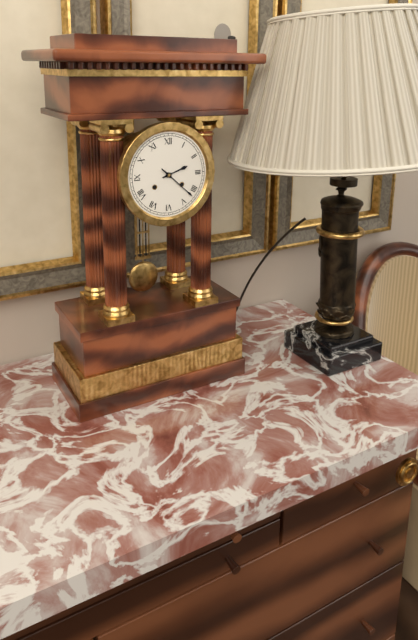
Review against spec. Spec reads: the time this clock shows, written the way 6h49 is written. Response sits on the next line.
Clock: 2h22
